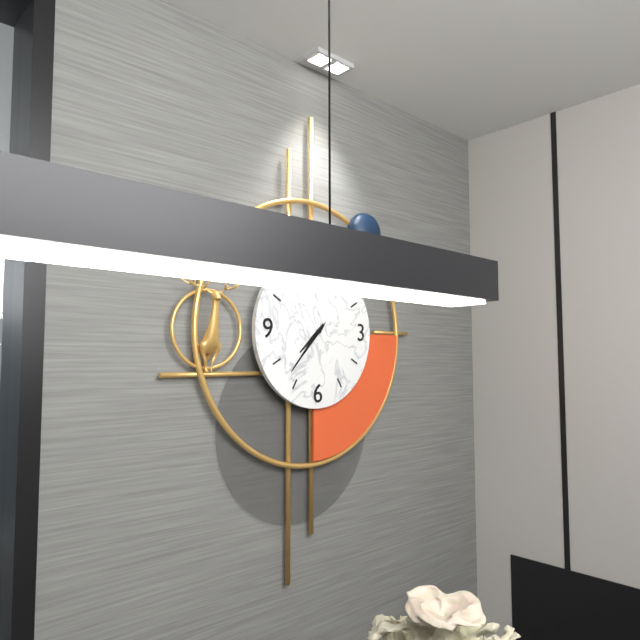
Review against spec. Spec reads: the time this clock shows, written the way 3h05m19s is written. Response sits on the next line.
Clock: 7h37m37s
